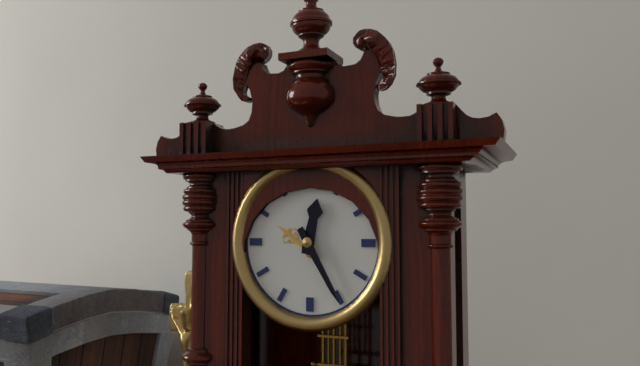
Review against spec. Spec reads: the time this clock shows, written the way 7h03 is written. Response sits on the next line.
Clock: 12h25
